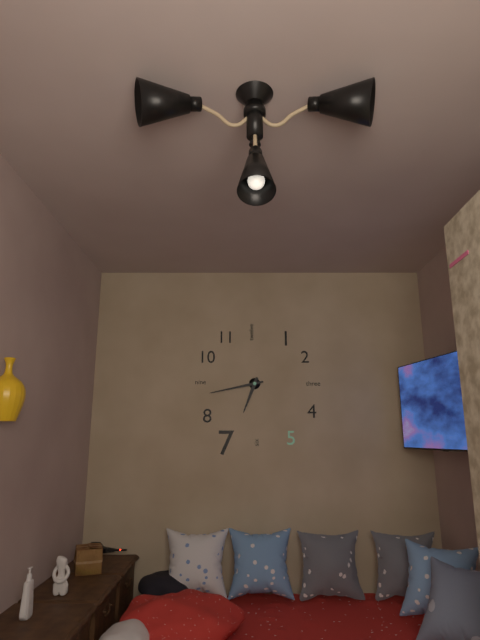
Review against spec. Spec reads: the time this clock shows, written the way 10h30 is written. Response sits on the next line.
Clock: 6h43
